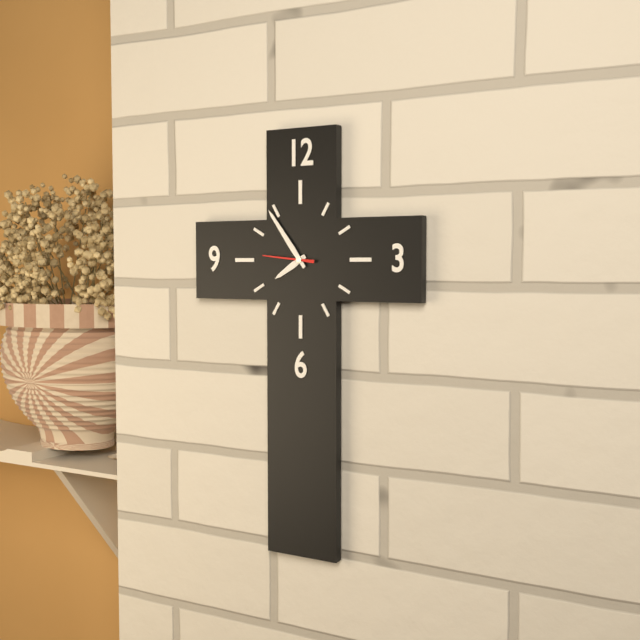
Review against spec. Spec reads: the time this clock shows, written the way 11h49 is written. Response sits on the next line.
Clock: 7h54
